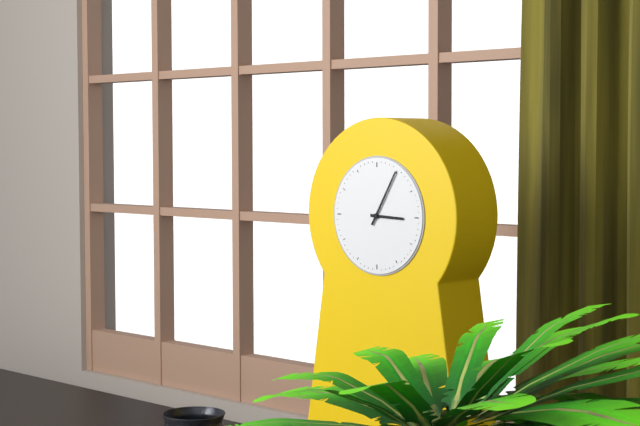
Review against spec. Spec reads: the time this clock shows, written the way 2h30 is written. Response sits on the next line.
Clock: 3h05
